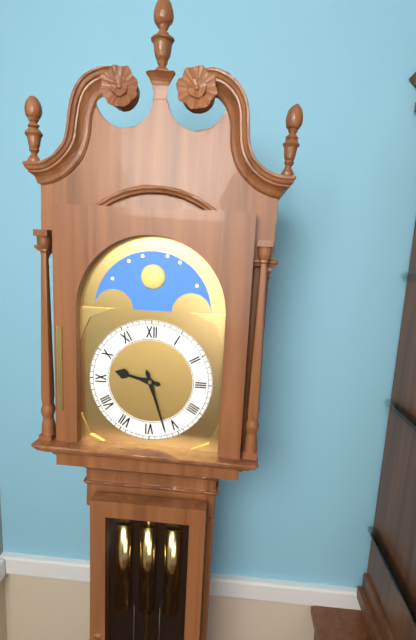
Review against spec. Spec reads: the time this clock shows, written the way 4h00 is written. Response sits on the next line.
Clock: 9h27
